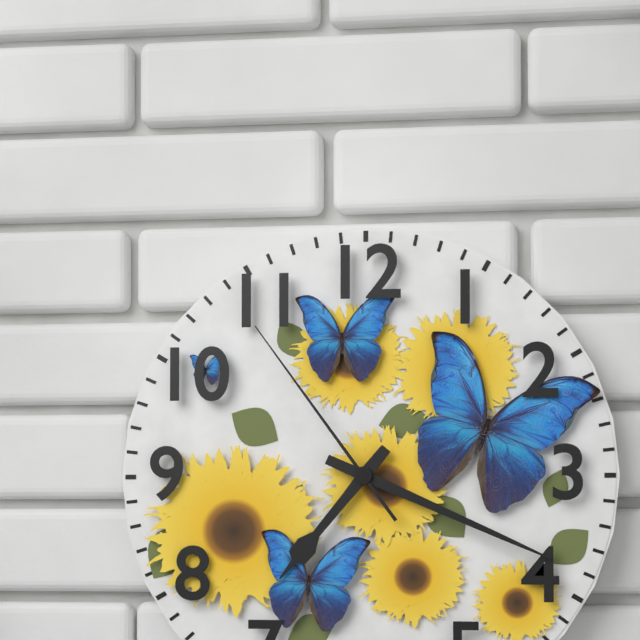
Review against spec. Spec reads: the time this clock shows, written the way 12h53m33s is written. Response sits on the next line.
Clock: 7h19m54s
